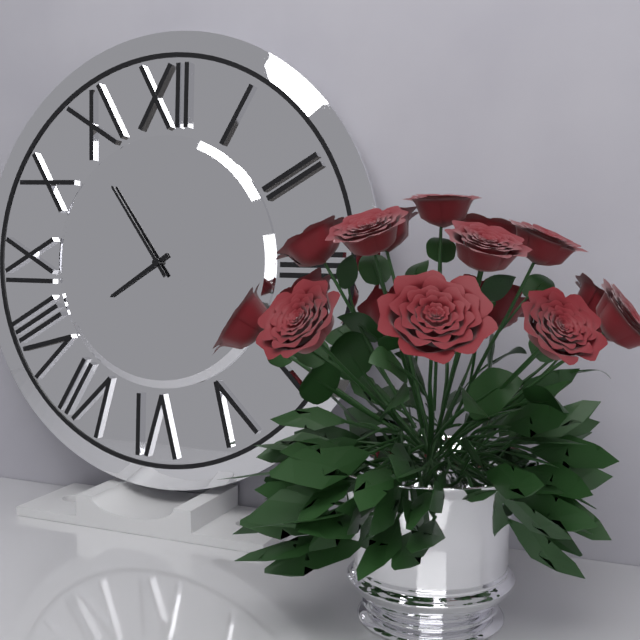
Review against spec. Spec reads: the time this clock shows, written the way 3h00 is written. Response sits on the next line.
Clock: 7h54
